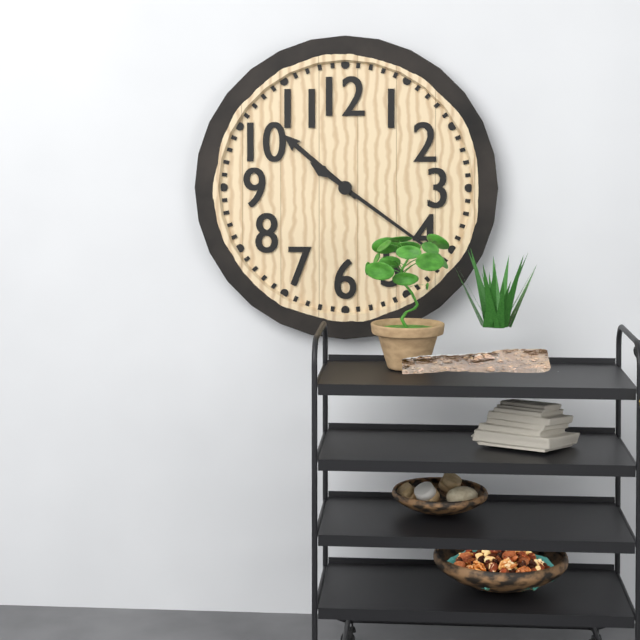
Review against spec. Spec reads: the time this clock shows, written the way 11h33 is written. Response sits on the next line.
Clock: 10h21
